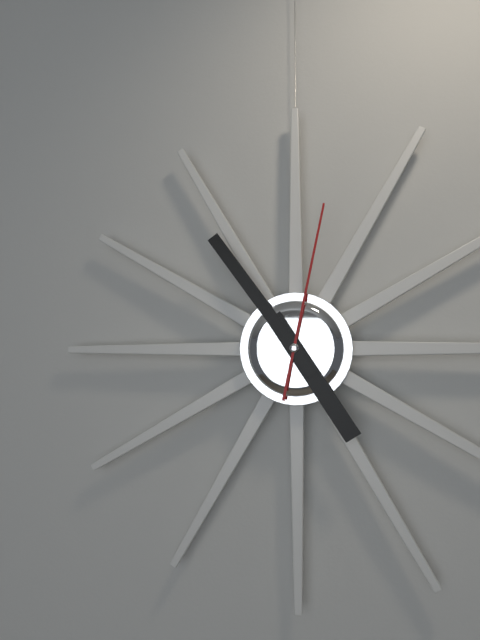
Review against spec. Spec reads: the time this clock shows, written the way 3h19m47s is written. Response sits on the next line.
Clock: 4h54m02s
